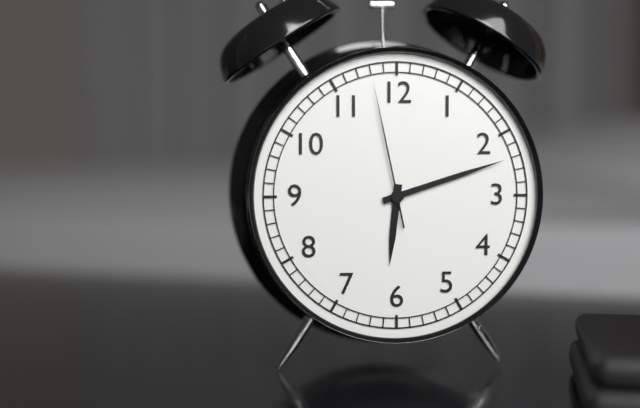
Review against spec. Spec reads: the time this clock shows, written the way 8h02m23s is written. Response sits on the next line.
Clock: 6h12m58s
